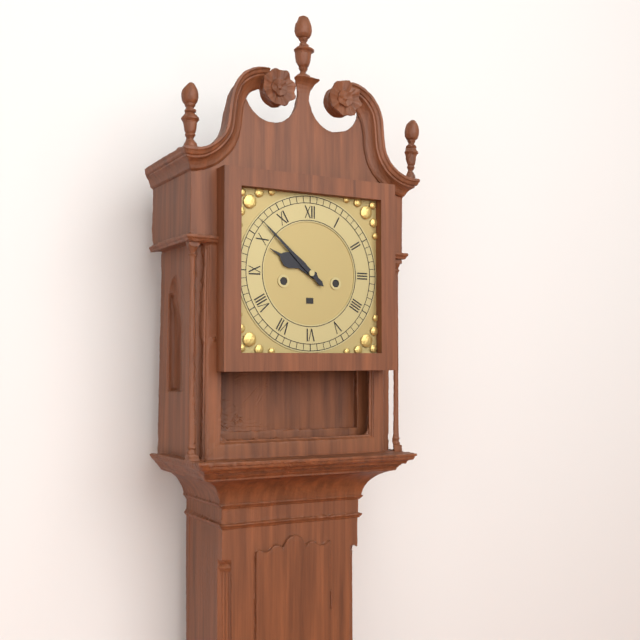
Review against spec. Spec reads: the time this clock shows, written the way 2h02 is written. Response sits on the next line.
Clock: 9h52
